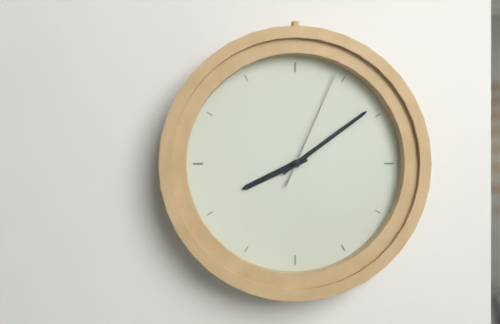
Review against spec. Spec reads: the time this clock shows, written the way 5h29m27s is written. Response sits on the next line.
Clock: 8h09m04s
